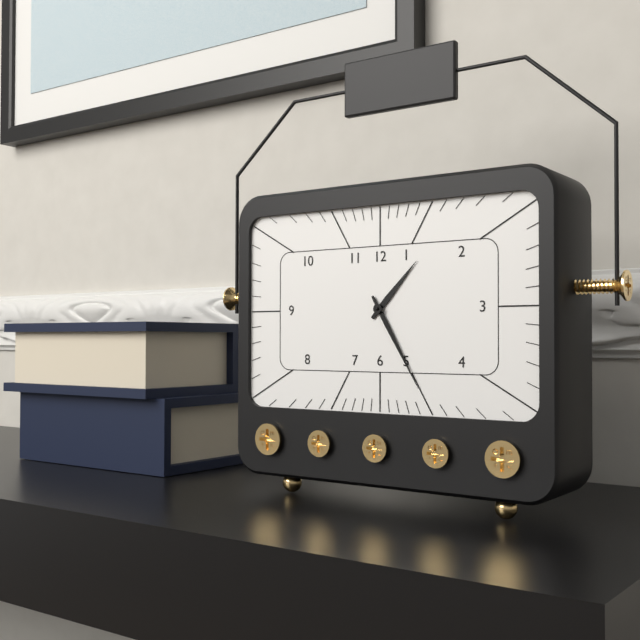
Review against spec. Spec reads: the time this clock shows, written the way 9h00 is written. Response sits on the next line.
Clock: 1h25
